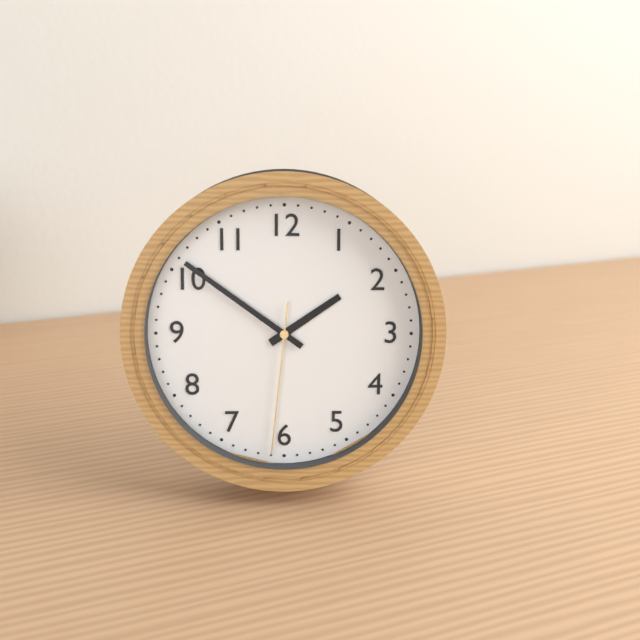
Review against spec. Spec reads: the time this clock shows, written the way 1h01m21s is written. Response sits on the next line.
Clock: 1h51m31s
